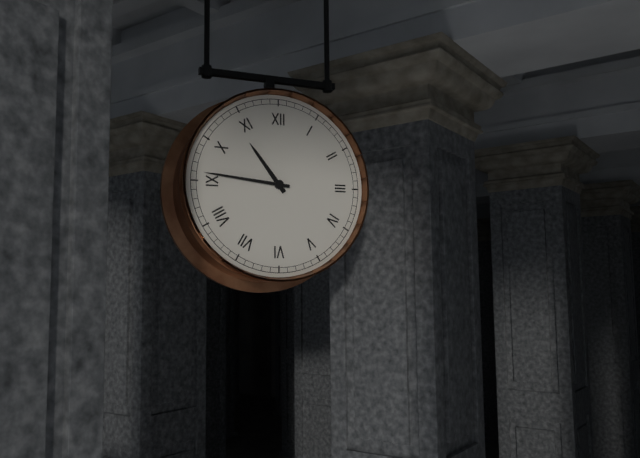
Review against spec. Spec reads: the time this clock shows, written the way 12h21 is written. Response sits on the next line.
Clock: 10h46
